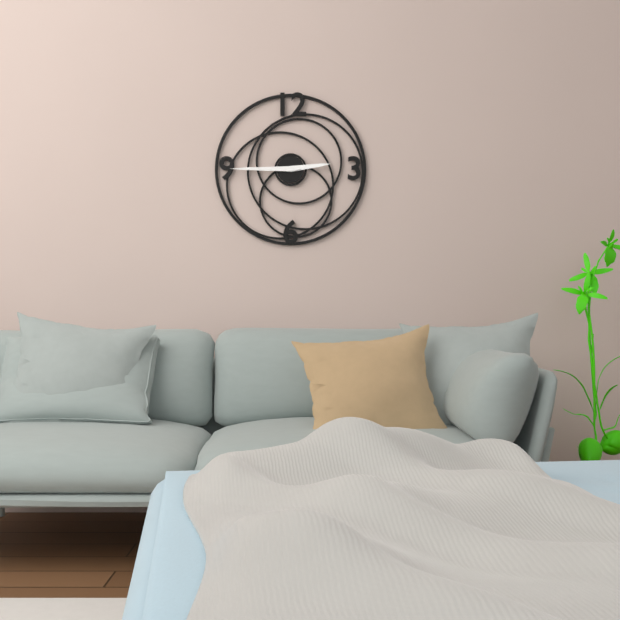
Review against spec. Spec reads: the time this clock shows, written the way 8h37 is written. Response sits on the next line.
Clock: 2h45
